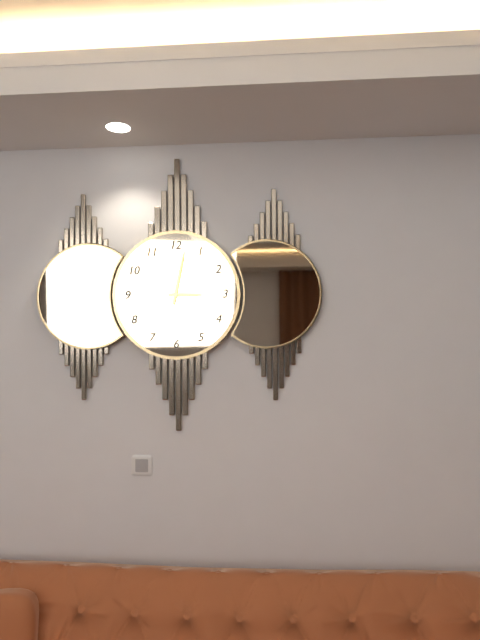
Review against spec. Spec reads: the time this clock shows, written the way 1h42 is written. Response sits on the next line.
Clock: 3h02
